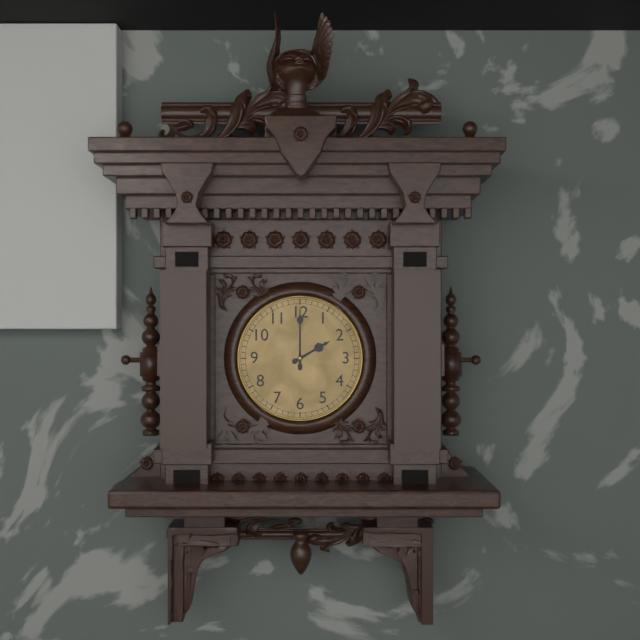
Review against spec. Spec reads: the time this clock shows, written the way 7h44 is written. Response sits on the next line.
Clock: 2h00
